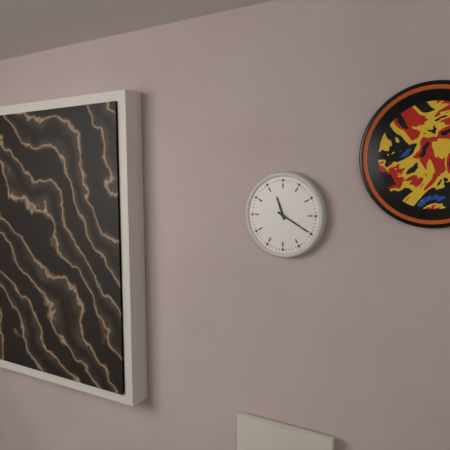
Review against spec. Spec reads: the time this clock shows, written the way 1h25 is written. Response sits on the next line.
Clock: 11h20
